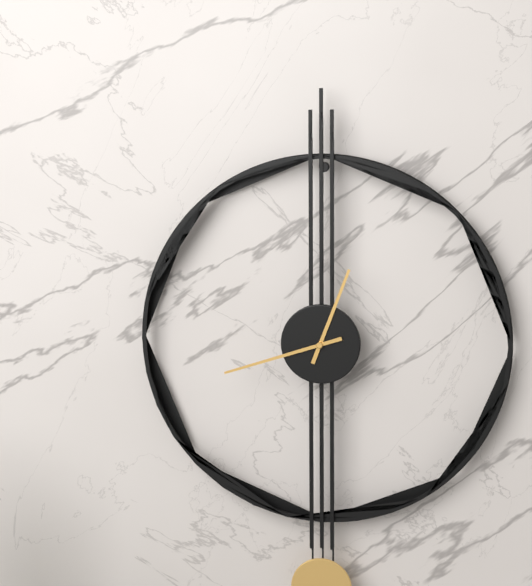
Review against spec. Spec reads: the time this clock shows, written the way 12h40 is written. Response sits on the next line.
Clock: 12h42
